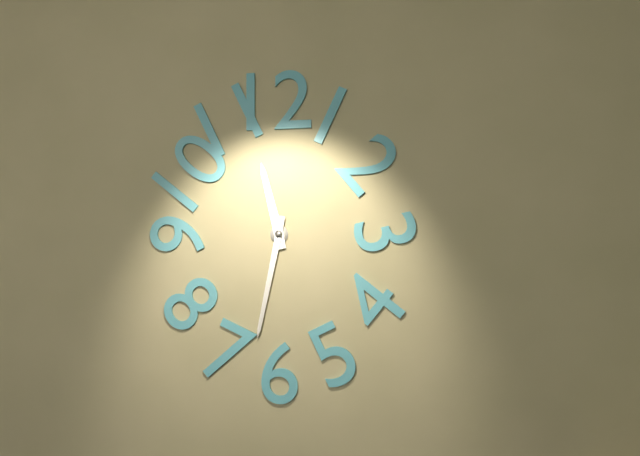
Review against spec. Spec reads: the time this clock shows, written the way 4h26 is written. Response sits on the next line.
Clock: 11h32
